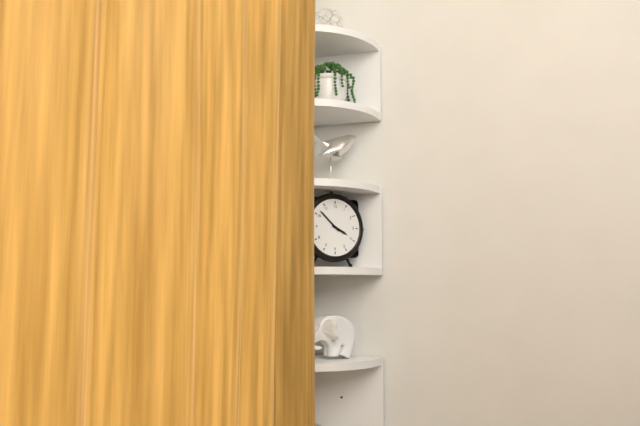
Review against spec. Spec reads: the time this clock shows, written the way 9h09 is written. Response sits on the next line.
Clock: 3h52
